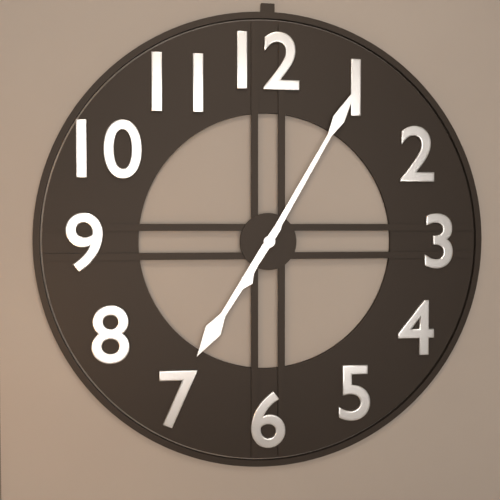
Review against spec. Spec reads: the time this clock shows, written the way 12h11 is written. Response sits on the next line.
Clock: 7h05
